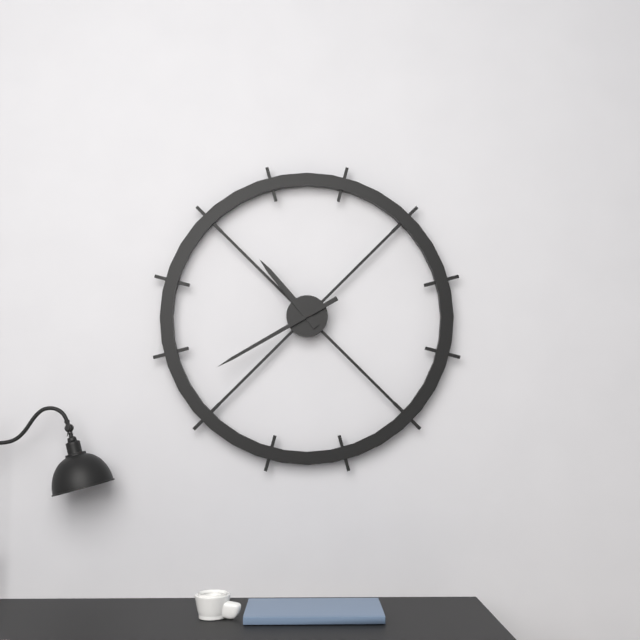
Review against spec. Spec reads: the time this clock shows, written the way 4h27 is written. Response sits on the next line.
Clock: 10h40
